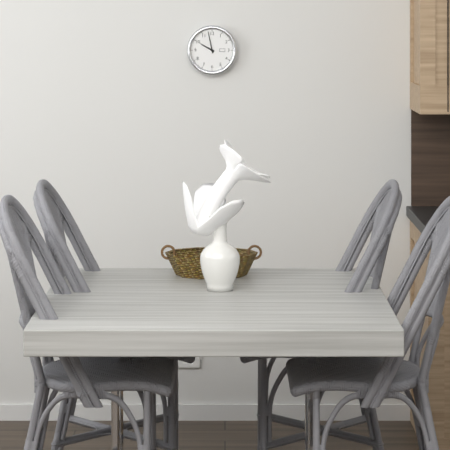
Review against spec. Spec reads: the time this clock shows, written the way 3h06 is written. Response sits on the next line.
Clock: 9h58
